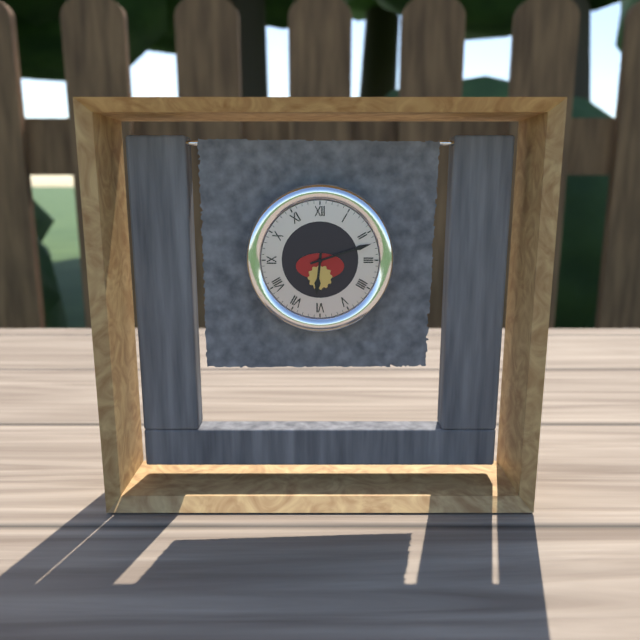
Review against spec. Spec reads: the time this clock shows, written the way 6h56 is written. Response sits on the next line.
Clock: 6h12
